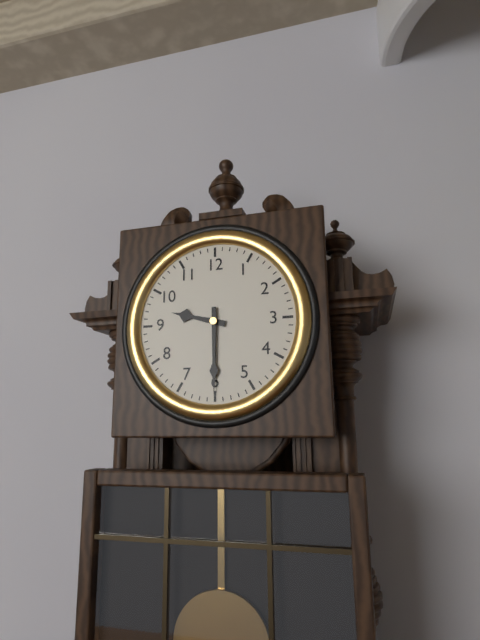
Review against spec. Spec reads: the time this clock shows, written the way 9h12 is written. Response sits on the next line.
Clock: 9h30
